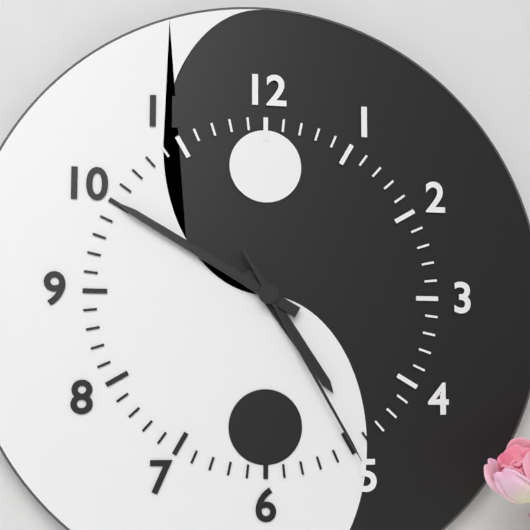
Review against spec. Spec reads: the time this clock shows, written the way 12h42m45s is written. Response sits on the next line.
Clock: 4h50m25s
